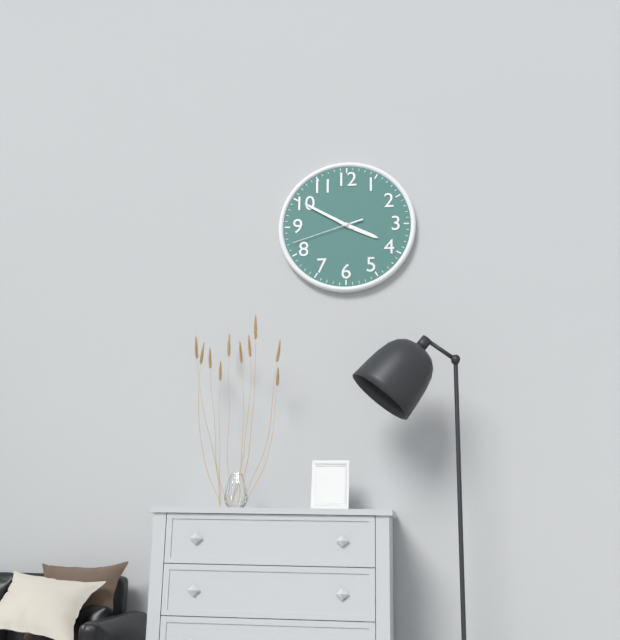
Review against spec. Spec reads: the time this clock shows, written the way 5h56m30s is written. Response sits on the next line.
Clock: 3h50m42s
